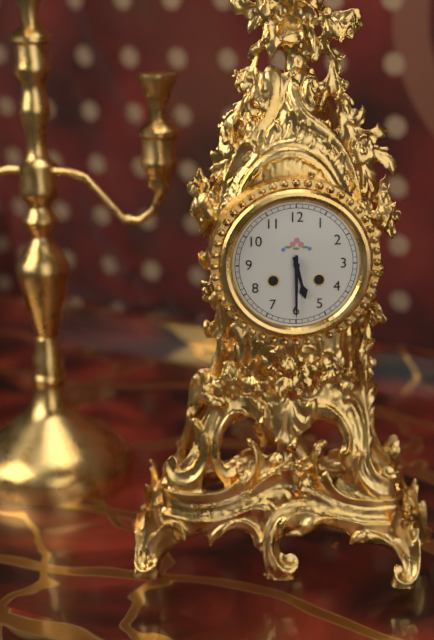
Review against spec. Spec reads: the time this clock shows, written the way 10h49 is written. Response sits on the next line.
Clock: 5h30
